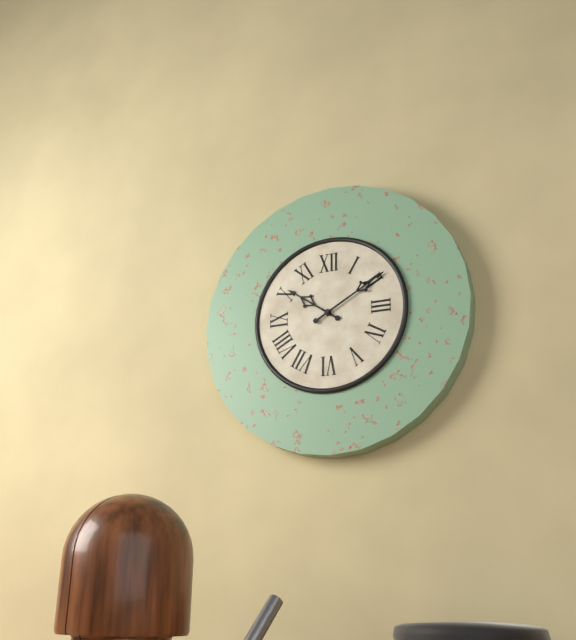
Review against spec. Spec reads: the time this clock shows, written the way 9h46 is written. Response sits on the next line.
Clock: 10h10
